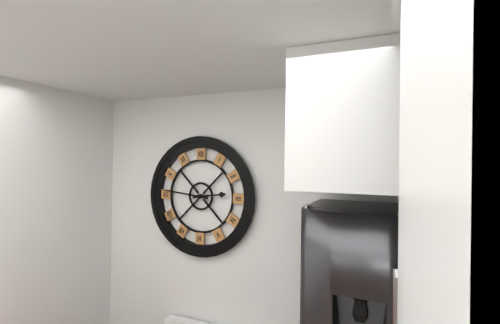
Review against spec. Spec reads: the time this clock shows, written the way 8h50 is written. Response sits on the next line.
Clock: 2h46
